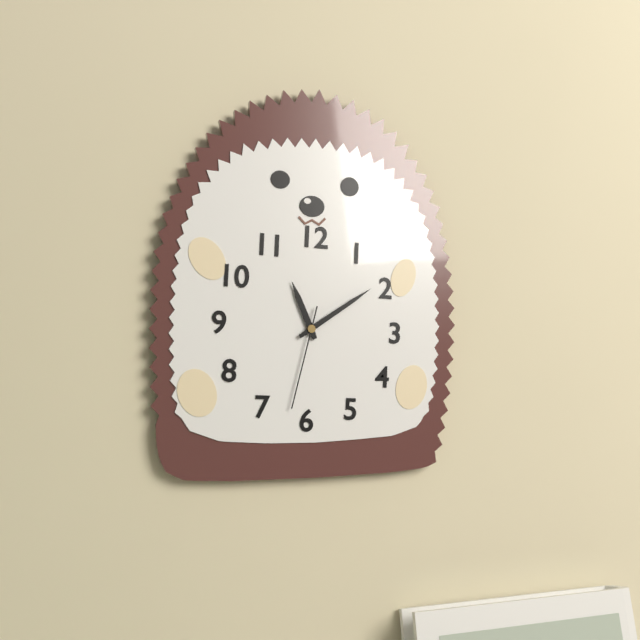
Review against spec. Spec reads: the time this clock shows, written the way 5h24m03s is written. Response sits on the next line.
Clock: 11h09m32s
